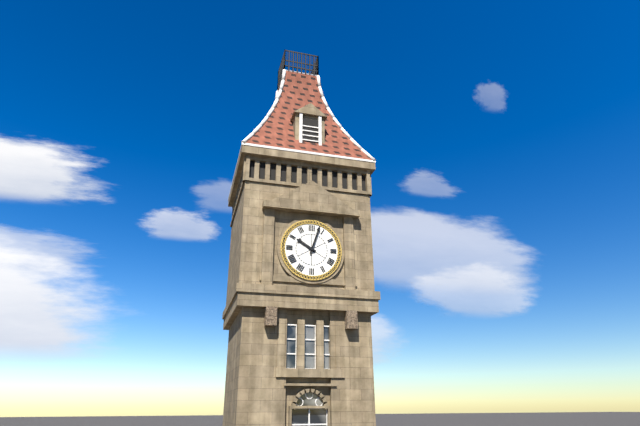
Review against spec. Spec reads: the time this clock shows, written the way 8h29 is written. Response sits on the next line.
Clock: 10h03
